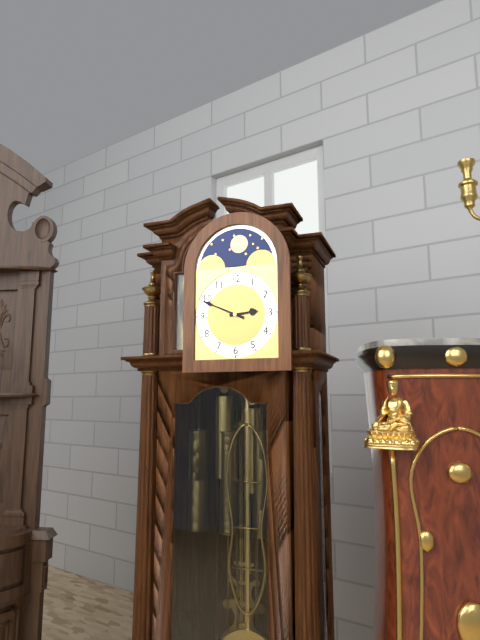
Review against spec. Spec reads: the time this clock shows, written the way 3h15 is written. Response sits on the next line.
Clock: 2h49
